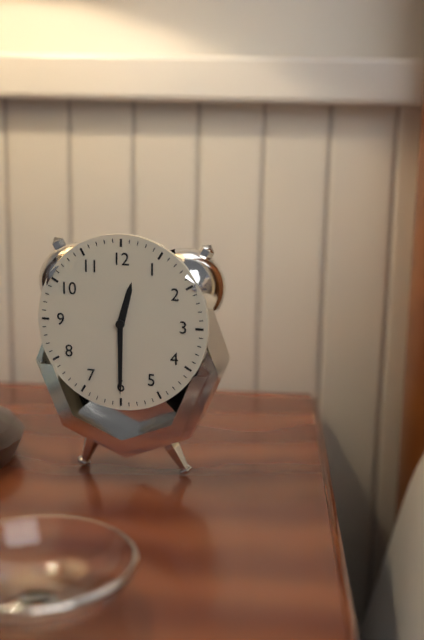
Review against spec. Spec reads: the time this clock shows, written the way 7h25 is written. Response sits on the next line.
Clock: 12h30
